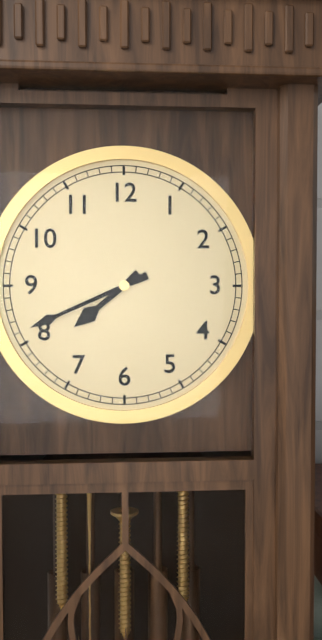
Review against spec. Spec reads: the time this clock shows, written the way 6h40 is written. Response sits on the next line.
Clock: 7h41
